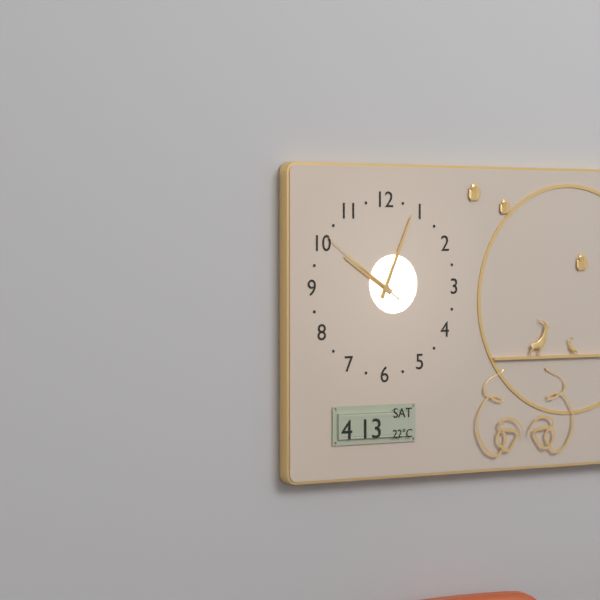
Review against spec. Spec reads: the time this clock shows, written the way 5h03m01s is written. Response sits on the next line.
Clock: 10h04m51s
